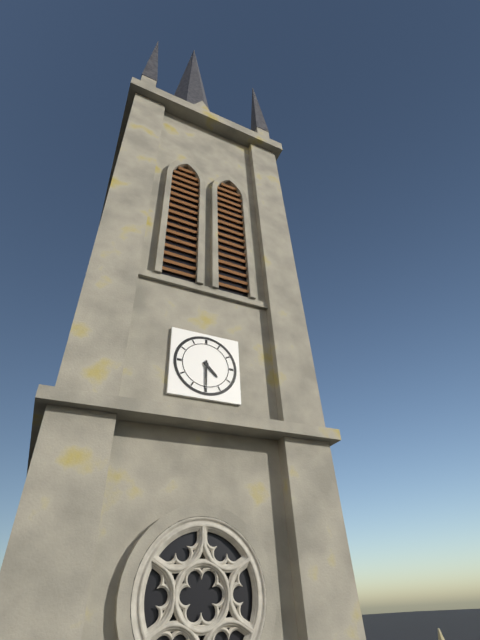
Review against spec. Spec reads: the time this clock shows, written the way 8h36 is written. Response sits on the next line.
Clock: 4h30
